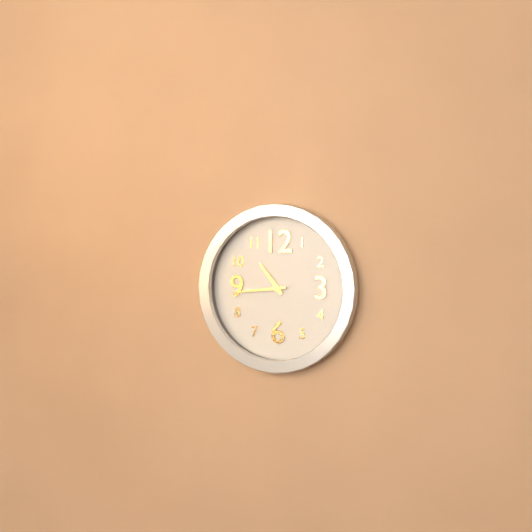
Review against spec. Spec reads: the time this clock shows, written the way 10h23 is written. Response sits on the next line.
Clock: 10h44
